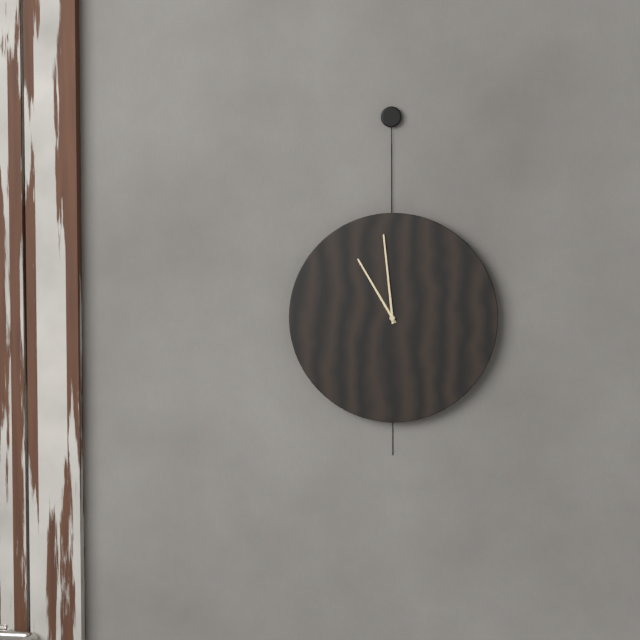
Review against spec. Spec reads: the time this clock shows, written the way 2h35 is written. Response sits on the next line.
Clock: 10h59
